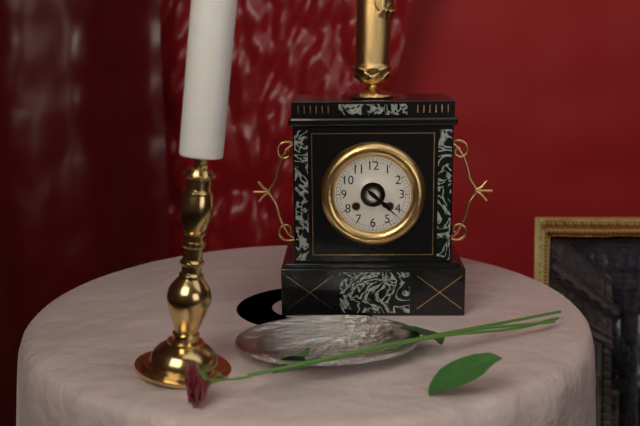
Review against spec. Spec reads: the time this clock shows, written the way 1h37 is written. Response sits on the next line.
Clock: 4h22
